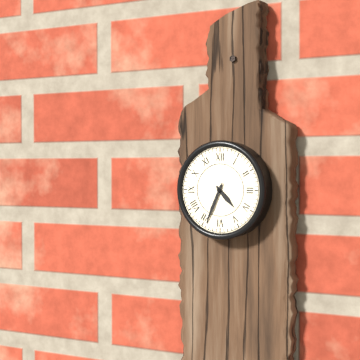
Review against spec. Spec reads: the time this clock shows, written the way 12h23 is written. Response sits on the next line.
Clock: 4h34
